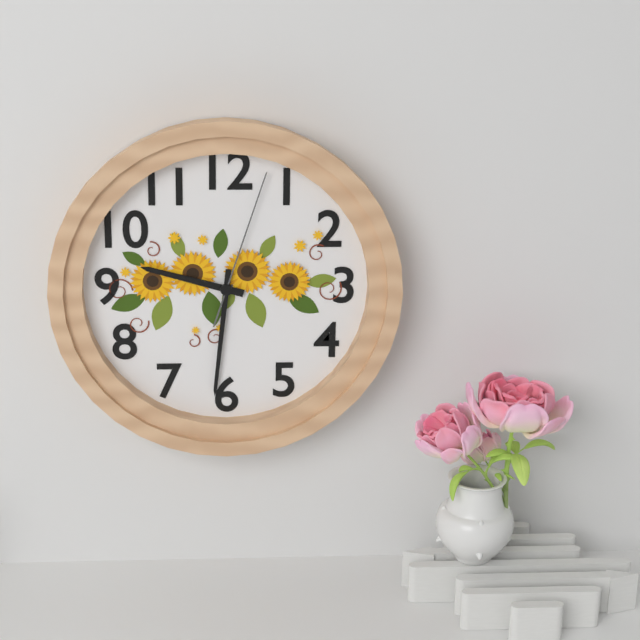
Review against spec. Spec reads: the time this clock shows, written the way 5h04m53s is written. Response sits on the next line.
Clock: 9h31m03s
